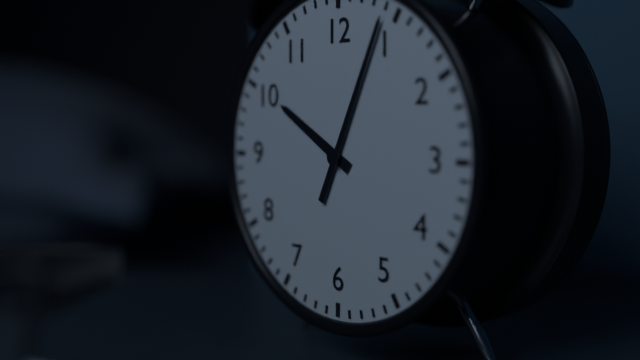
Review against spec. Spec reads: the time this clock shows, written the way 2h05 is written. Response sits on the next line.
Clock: 10h04
